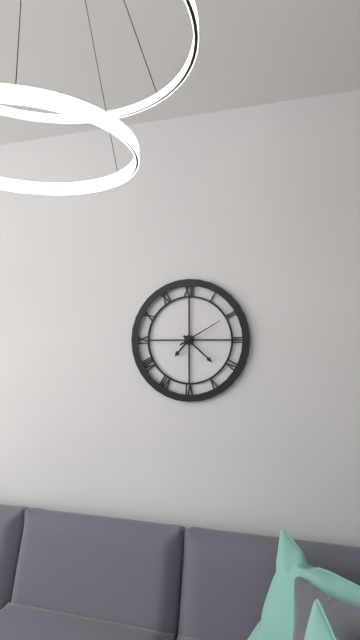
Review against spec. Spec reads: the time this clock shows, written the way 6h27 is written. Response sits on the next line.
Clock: 7h22
